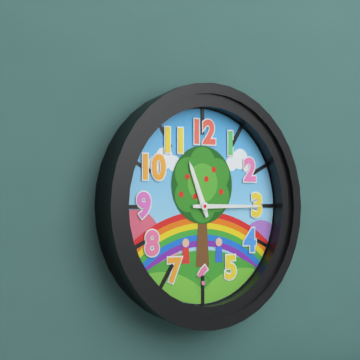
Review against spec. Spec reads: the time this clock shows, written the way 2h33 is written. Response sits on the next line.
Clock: 11h15
